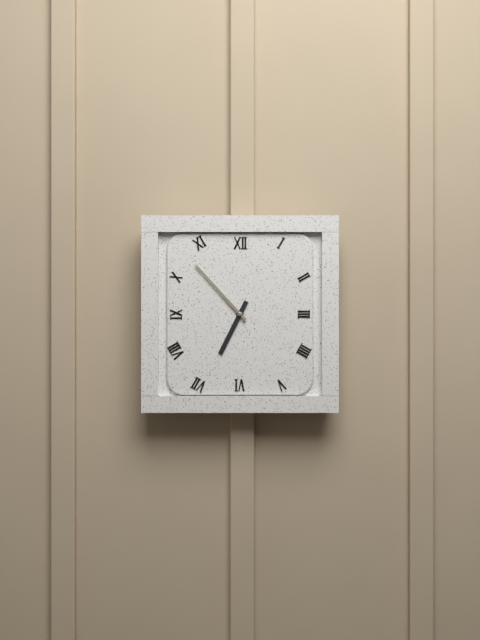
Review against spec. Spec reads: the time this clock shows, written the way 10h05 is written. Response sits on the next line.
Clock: 6h53
